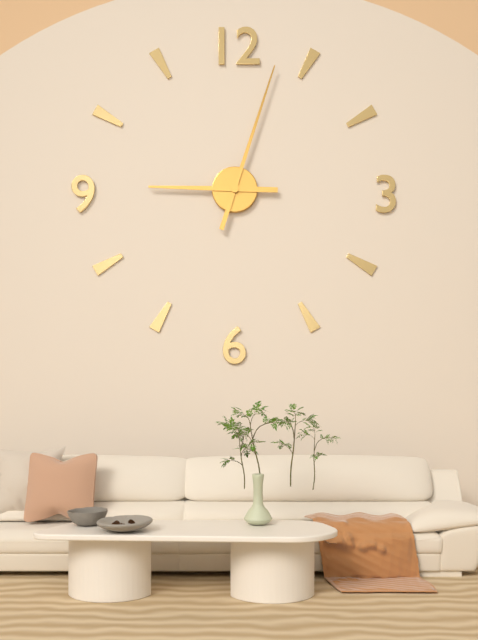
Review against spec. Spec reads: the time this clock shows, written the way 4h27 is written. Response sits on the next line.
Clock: 9h03
